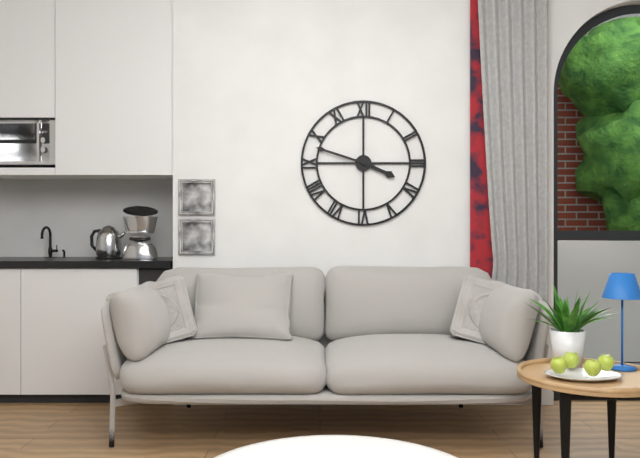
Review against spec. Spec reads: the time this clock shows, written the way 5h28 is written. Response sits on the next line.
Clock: 3h48
